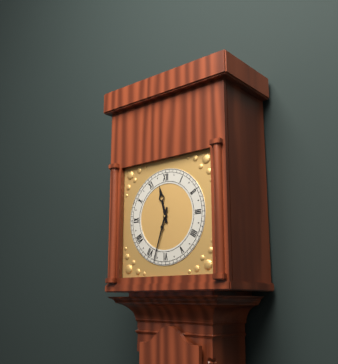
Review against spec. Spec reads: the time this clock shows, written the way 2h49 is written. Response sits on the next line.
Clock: 11h33
